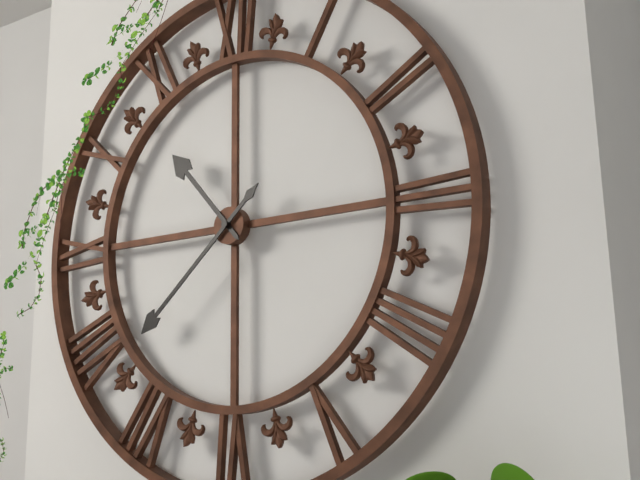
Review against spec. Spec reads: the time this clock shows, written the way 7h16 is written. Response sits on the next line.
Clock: 10h38
